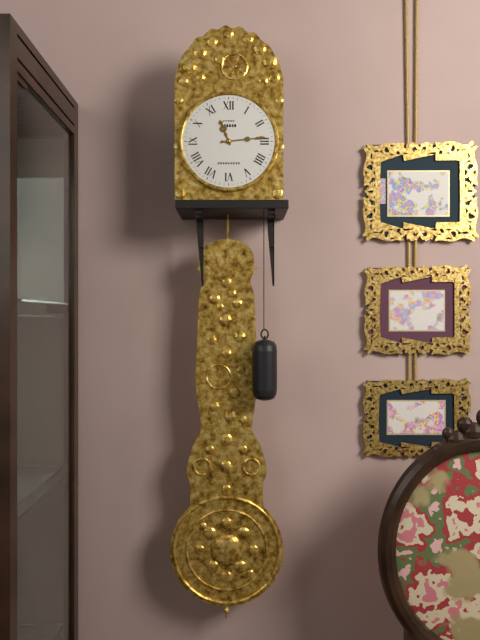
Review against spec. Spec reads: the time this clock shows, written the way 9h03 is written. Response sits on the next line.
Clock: 11h14
